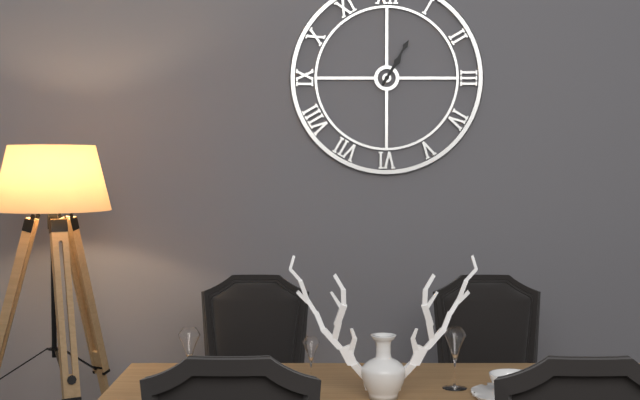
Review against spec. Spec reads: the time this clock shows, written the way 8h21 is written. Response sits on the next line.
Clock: 1h05
